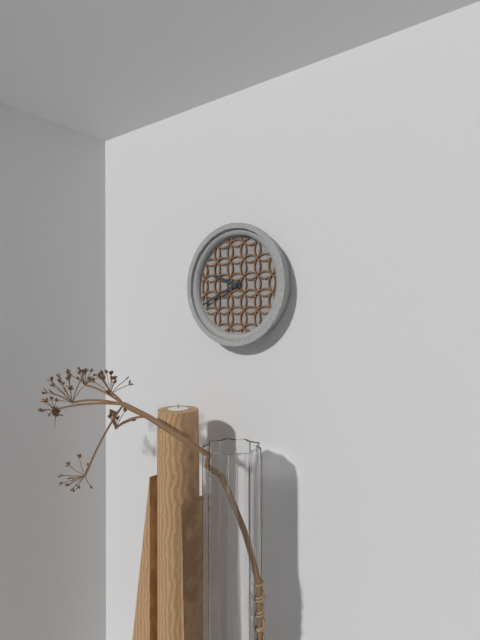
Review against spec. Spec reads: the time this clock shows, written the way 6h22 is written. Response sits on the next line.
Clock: 9h41
